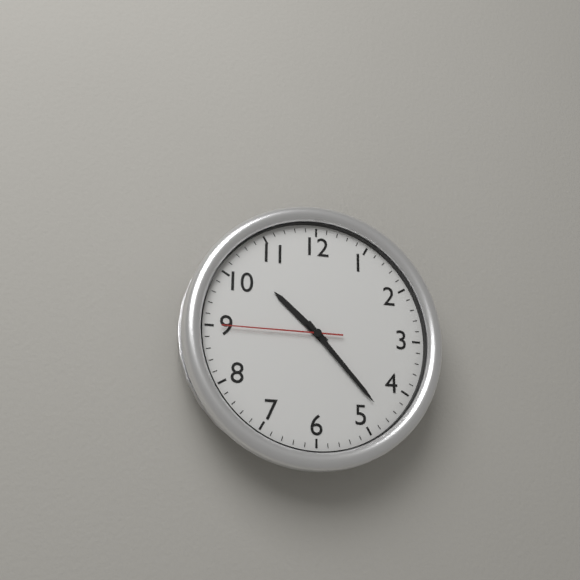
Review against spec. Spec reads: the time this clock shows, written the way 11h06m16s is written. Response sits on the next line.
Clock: 10h23m45s
